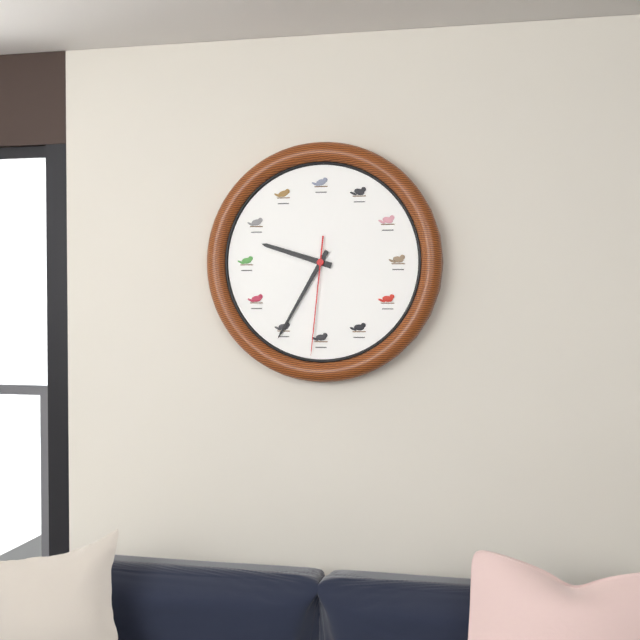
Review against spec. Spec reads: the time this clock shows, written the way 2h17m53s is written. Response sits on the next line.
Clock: 9h35m31s
